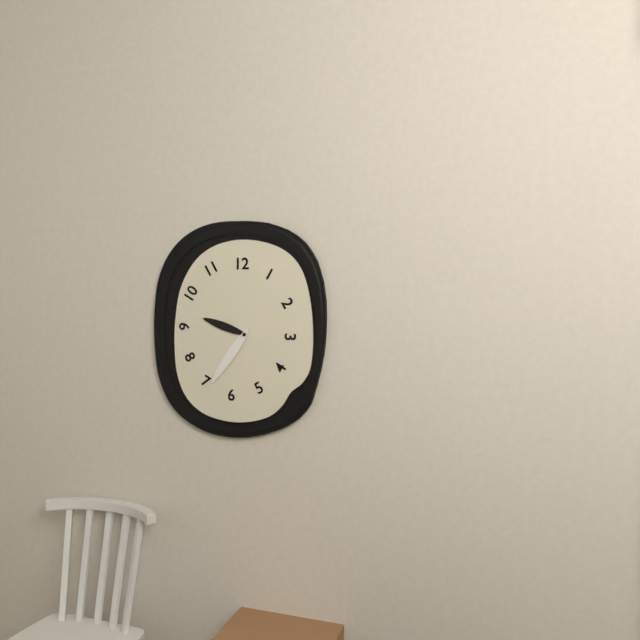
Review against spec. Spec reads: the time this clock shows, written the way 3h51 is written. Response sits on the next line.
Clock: 9h36
